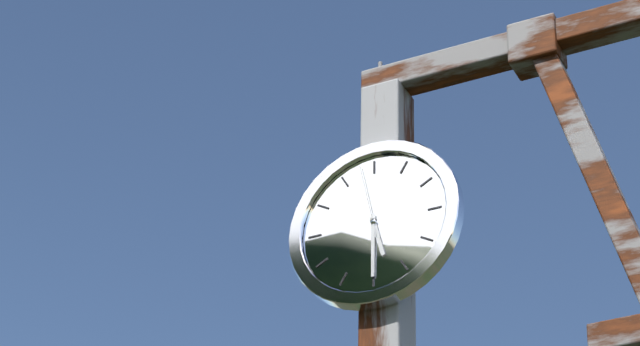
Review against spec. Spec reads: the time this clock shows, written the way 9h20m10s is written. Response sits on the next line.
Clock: 5h30m58s
